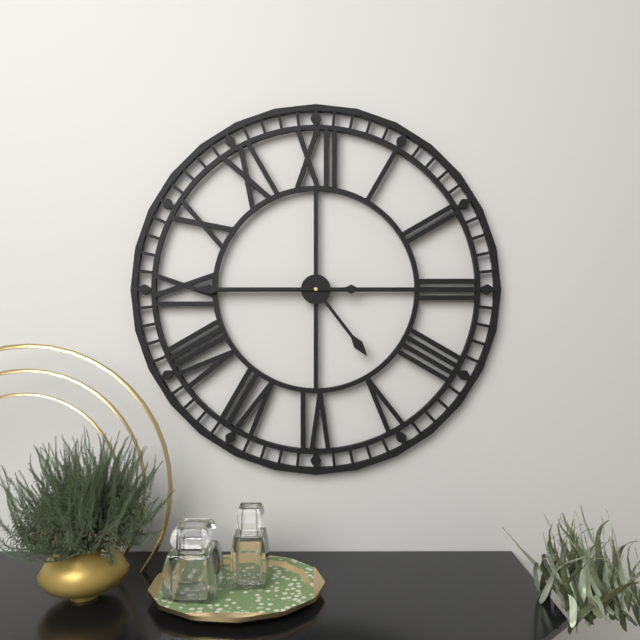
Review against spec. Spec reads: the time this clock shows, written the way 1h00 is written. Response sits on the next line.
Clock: 4h45
